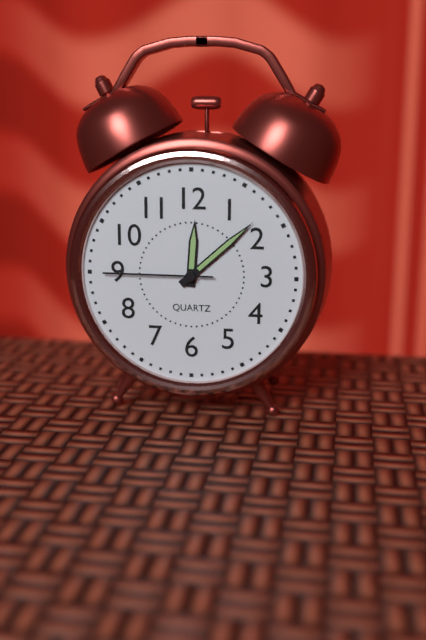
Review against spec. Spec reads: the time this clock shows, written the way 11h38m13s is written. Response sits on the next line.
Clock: 12h08m45s
